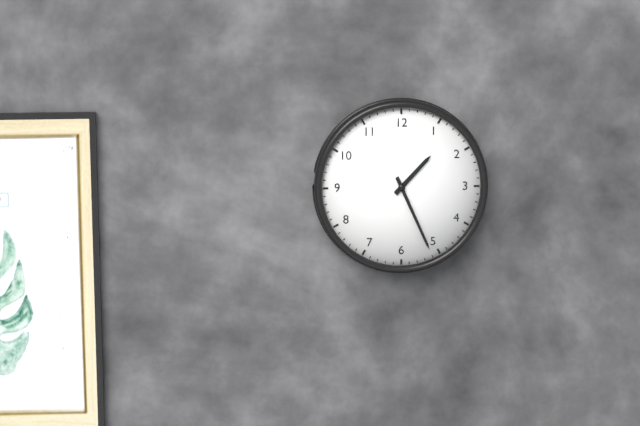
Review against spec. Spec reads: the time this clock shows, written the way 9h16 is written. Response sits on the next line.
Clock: 1h26
